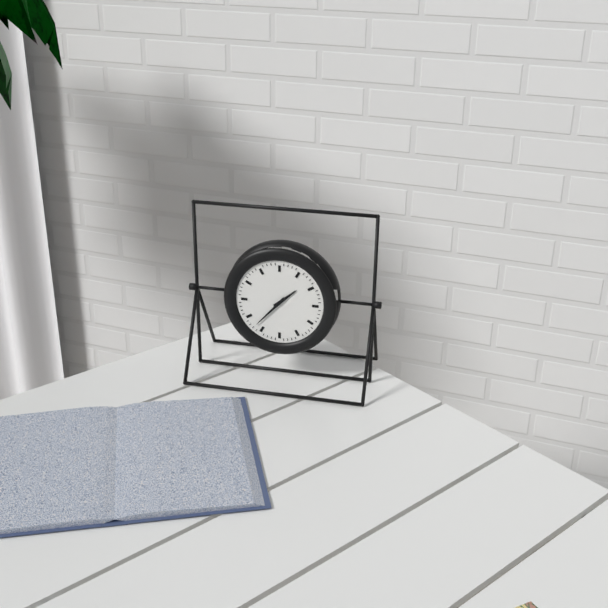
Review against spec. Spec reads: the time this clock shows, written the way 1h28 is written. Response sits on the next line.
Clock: 1h37
